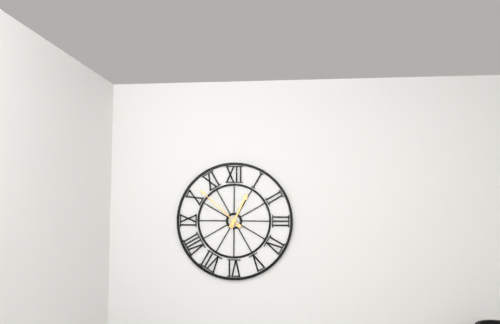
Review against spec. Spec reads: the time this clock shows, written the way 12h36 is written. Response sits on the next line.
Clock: 12h52
